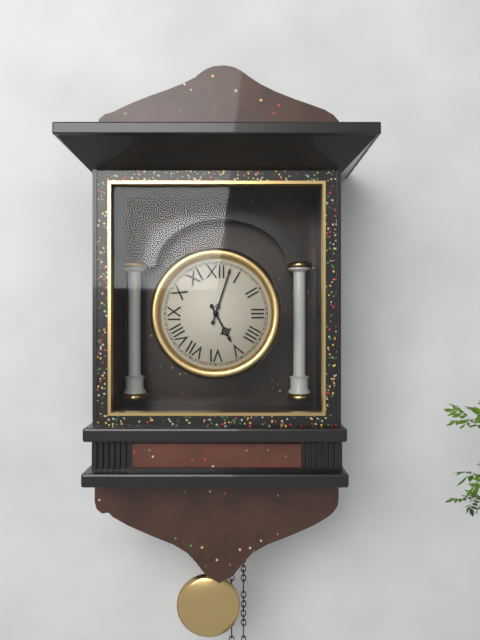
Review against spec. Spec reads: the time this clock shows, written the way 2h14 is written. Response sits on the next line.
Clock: 5h03
